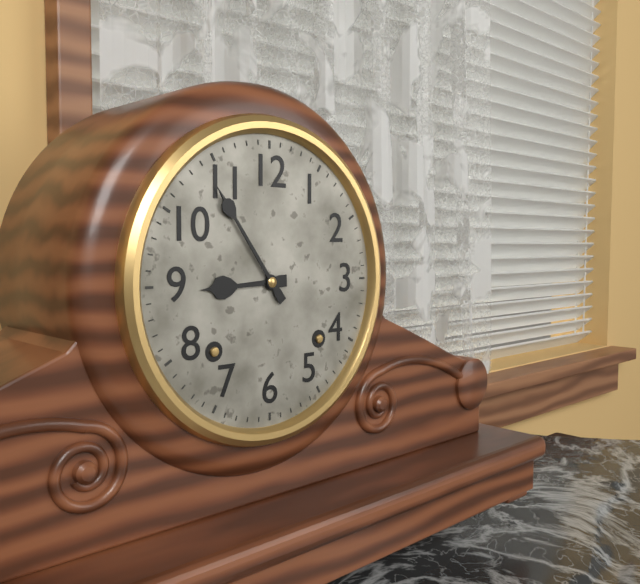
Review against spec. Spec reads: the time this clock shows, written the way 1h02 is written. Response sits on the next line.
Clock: 8h54
